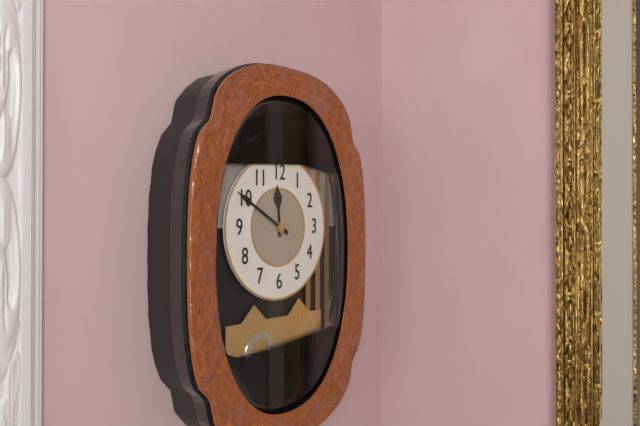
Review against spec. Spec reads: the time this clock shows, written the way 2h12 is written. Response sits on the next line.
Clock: 11h50
